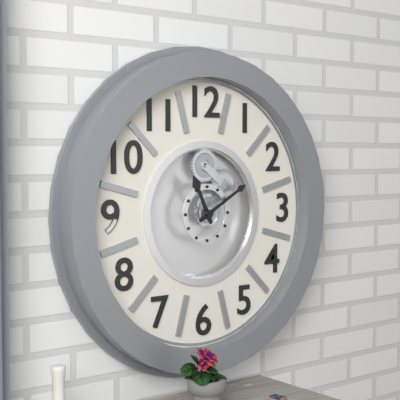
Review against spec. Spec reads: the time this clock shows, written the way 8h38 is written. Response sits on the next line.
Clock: 11h10
